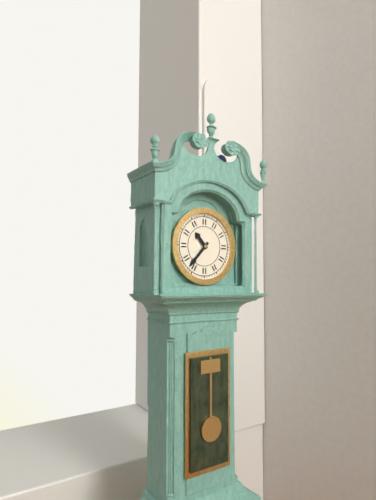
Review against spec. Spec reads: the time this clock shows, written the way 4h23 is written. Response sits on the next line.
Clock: 10h37
